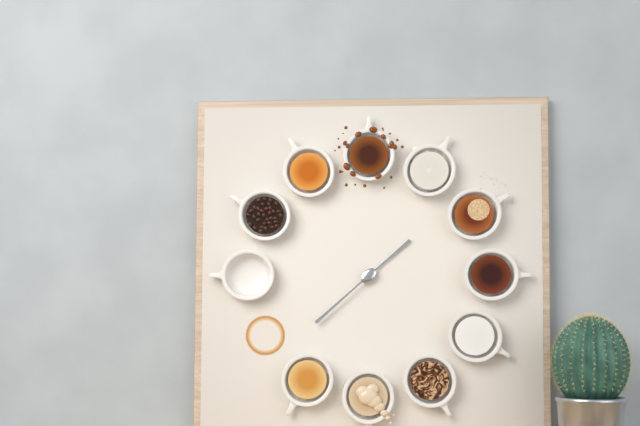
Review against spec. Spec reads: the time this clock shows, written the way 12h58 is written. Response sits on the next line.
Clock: 1h38
